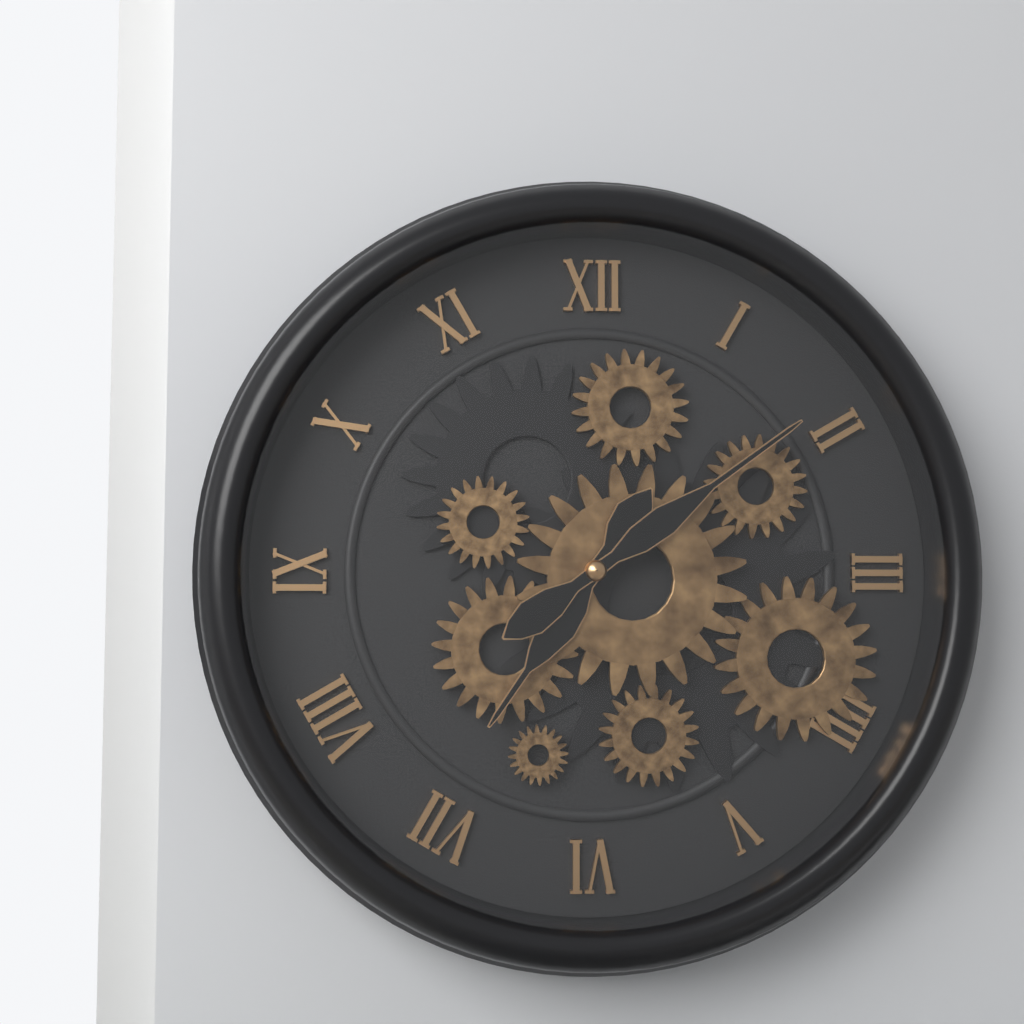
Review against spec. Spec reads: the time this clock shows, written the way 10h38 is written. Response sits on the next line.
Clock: 7h09
